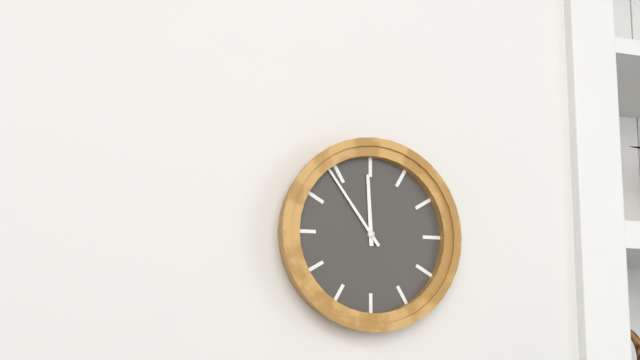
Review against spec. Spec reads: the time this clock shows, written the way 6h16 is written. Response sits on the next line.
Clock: 11h54
